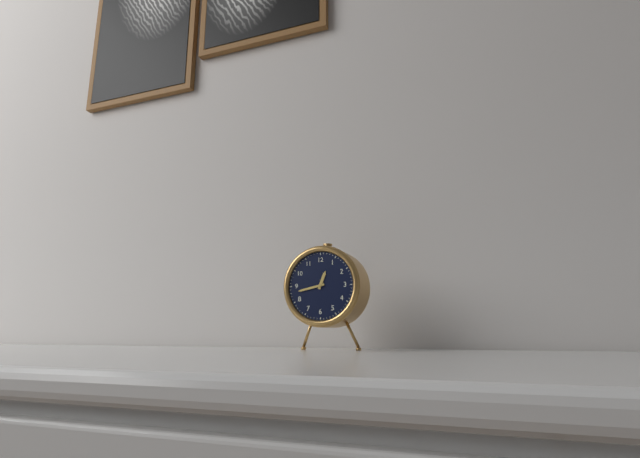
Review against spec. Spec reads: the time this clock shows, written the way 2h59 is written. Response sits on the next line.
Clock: 12h43
